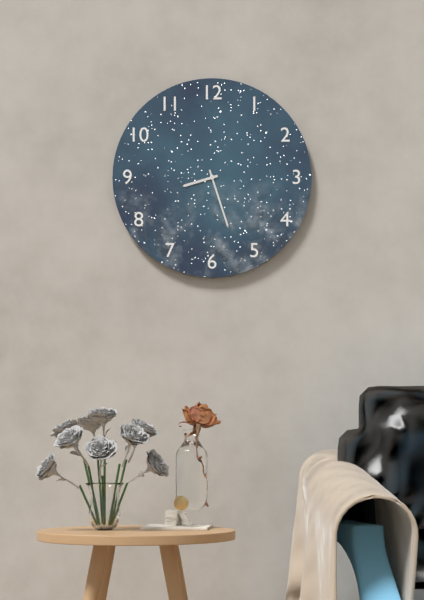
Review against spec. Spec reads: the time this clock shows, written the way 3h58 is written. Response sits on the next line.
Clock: 8h27
